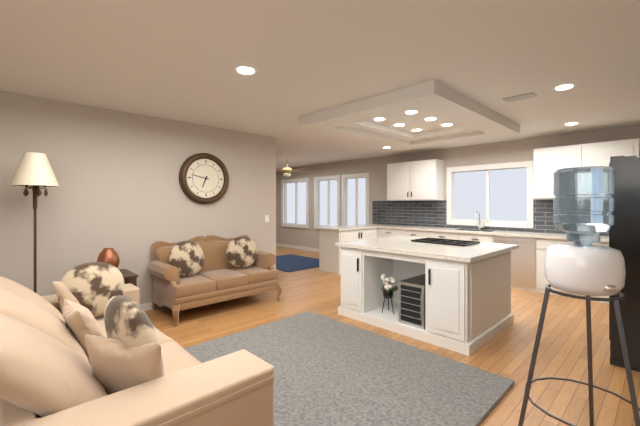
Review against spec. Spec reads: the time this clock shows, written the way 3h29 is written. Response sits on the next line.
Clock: 6h47
